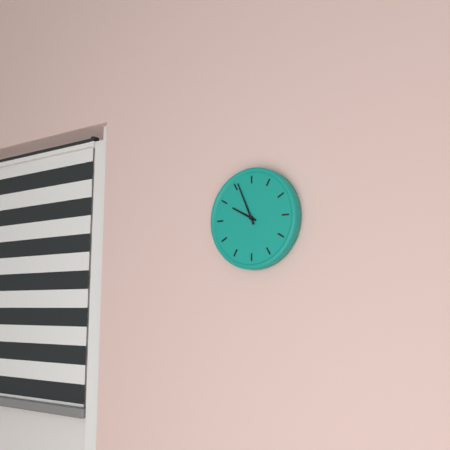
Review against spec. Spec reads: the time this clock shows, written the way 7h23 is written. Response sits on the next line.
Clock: 9h56
